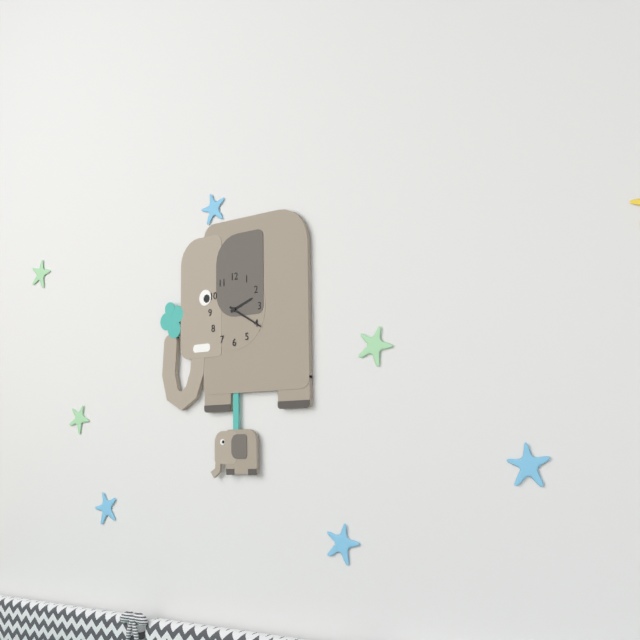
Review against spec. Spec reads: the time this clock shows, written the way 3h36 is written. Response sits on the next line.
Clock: 2h20
